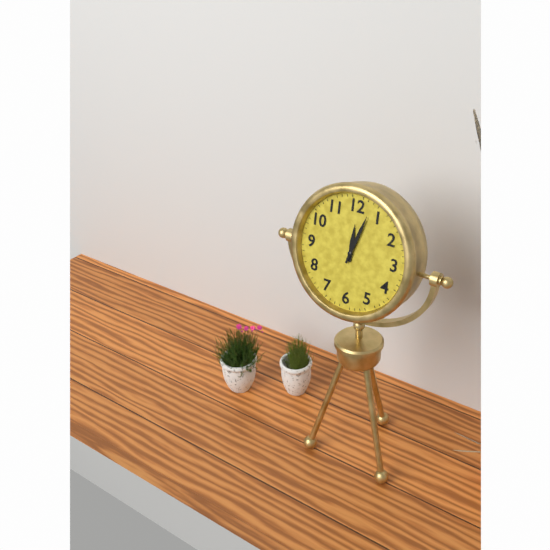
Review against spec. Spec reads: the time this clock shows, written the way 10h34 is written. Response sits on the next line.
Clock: 12h03
